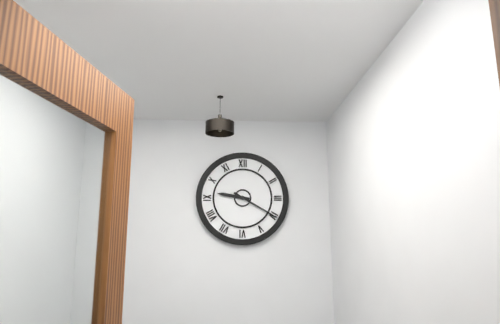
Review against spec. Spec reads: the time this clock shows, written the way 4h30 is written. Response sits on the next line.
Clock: 9h20
